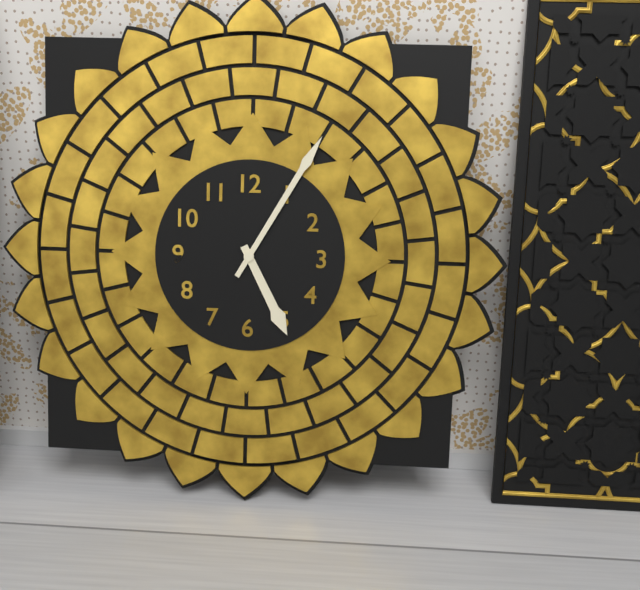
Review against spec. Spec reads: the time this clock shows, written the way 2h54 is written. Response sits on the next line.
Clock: 5h05
